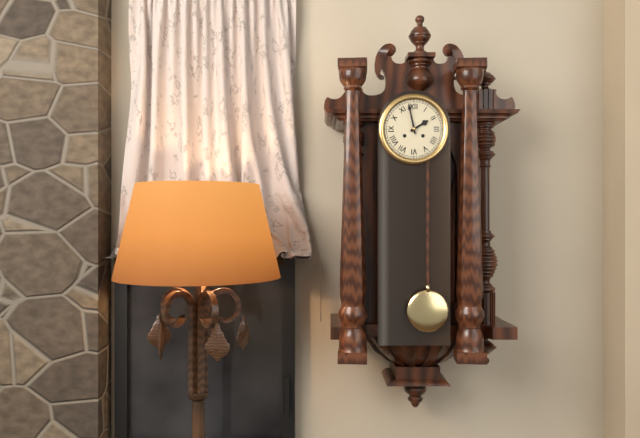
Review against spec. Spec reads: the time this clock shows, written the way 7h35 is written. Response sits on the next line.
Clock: 1h58
